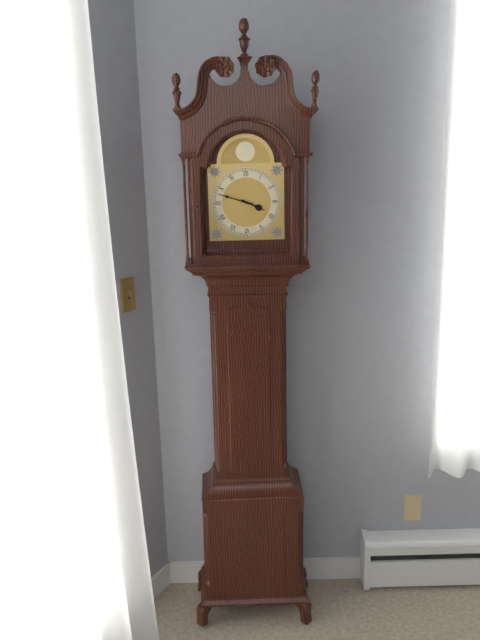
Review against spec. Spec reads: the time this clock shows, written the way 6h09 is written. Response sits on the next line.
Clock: 3h48
